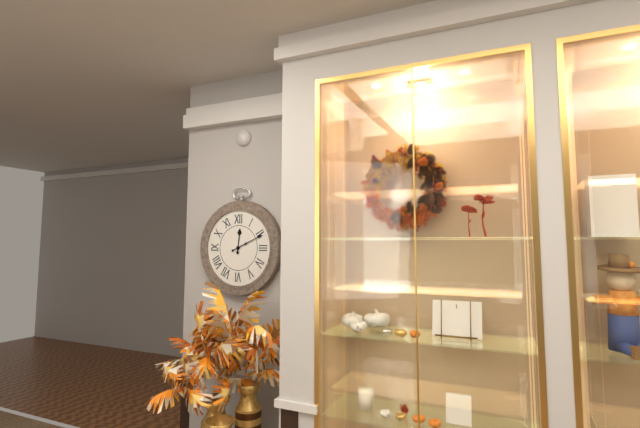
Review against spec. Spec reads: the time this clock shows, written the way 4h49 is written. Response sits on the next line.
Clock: 12h11
